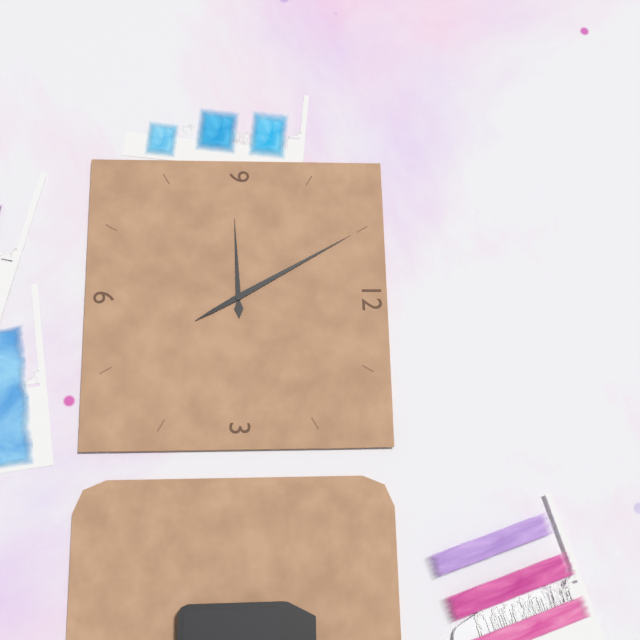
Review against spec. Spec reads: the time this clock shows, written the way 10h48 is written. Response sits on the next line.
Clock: 8h55
